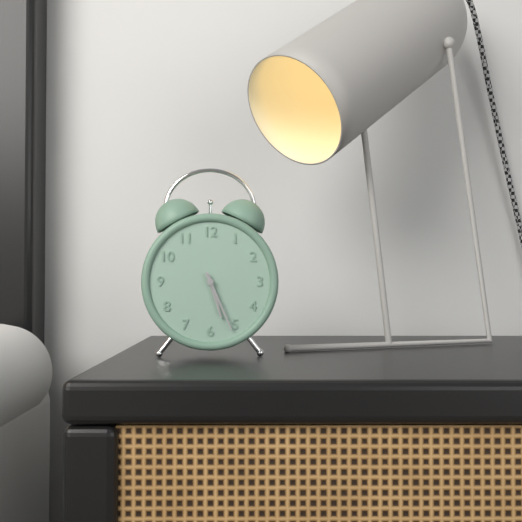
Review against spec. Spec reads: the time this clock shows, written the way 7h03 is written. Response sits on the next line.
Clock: 5h26
